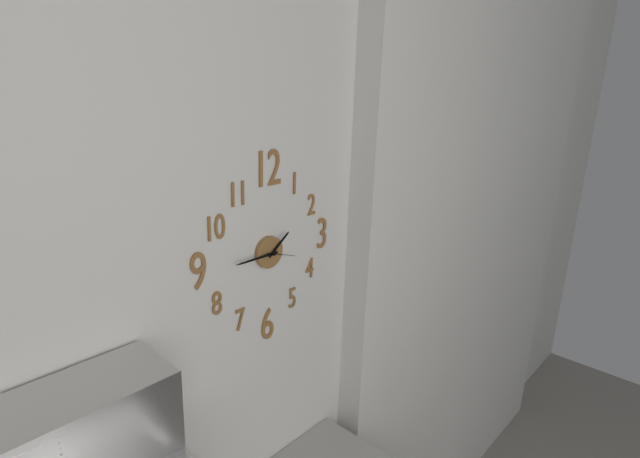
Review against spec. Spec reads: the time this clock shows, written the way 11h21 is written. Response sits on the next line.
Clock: 1h45
